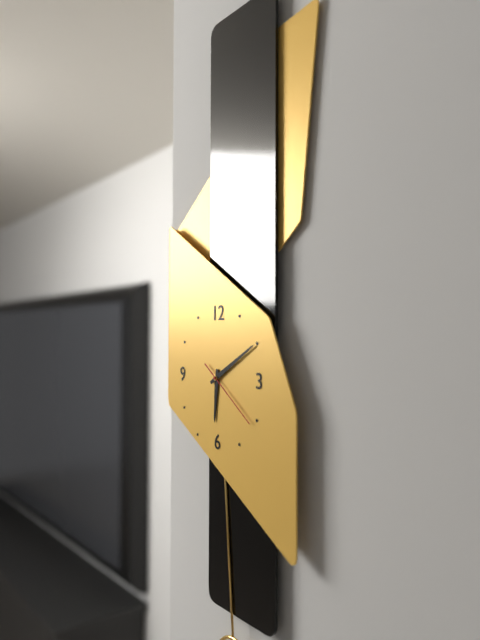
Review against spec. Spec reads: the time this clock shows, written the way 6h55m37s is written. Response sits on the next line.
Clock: 6h10m21s
